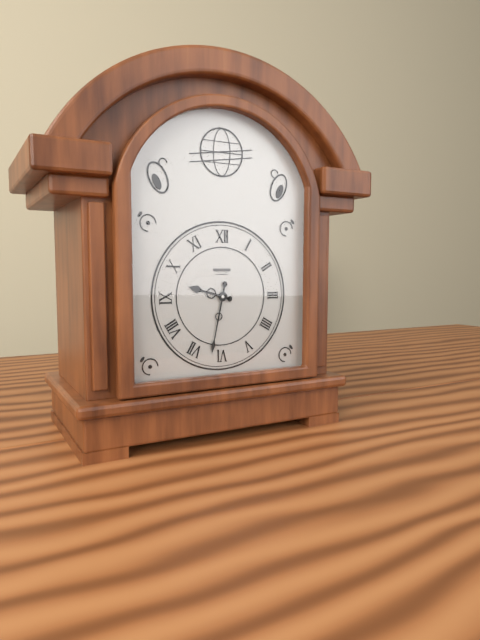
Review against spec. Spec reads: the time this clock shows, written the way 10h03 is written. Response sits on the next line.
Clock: 9h32
